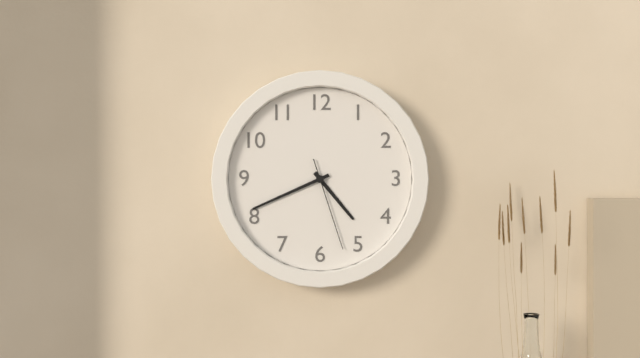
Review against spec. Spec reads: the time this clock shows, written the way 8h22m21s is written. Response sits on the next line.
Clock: 4h41m27s
